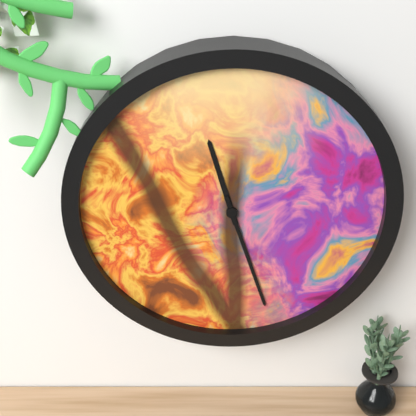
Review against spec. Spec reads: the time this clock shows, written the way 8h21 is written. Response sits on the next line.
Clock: 11h27
